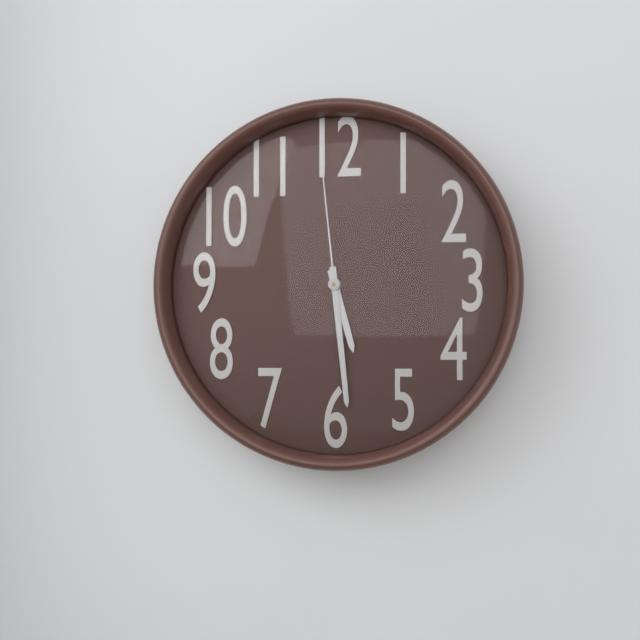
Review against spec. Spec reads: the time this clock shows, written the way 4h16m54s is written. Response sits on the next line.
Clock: 5h29m59s
